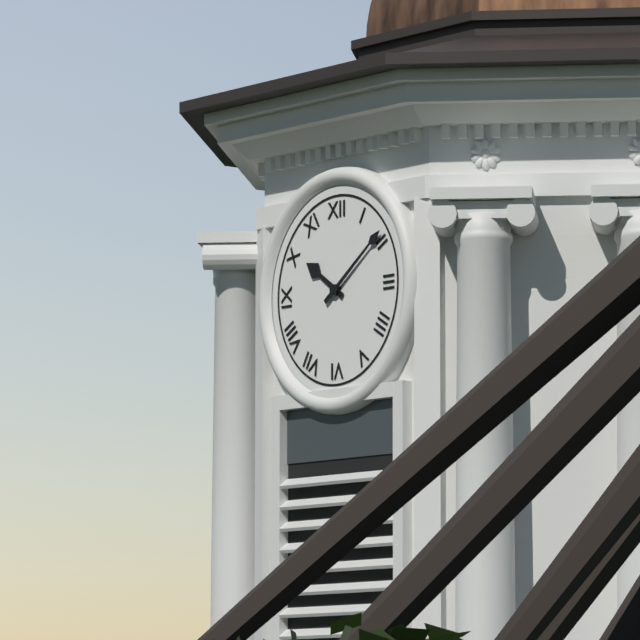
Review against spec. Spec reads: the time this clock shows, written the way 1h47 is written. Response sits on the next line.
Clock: 10h09
